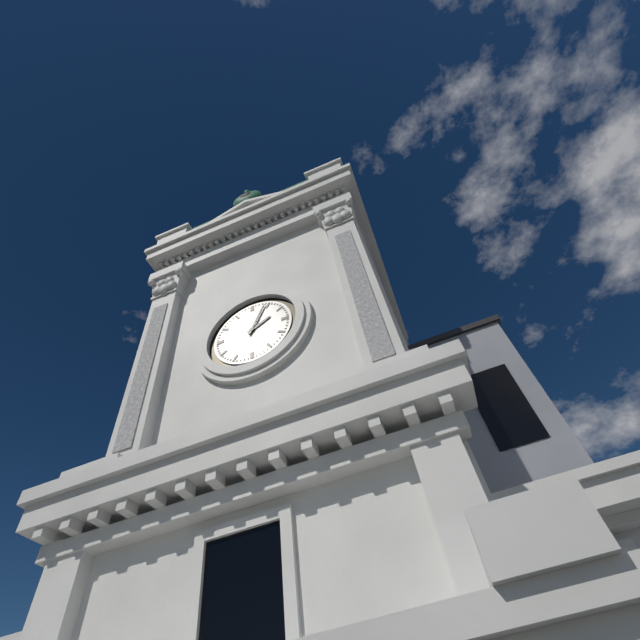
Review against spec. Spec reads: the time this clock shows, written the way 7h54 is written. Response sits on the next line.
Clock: 2h04
